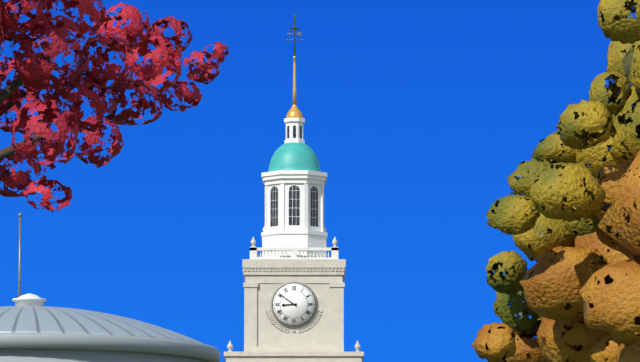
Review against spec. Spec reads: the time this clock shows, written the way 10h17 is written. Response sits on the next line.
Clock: 8h51
